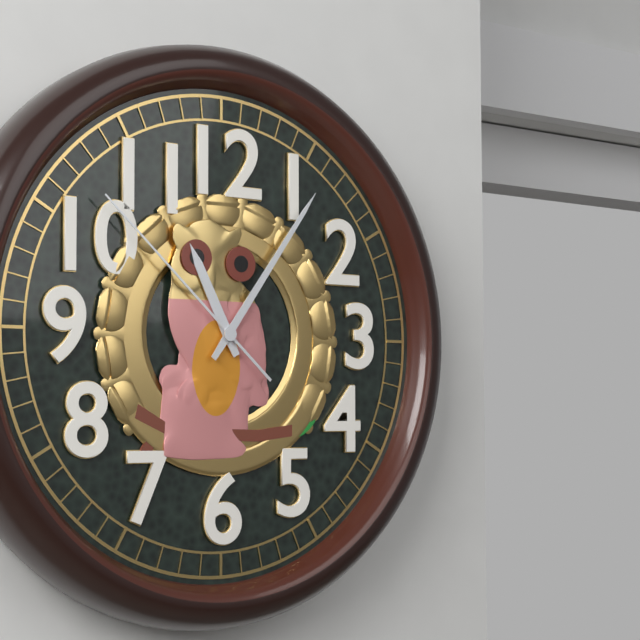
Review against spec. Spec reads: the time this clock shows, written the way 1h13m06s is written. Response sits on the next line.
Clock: 11h06m52s
